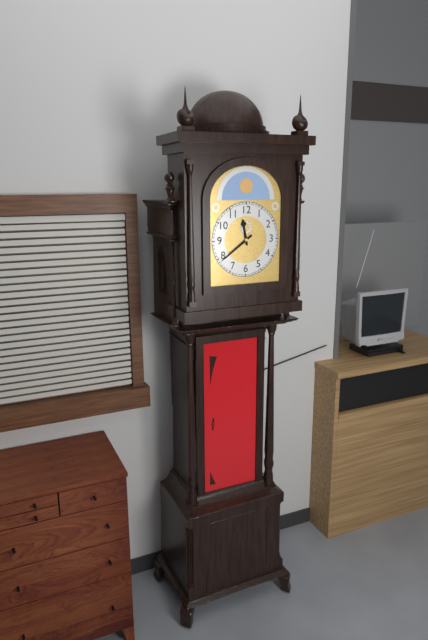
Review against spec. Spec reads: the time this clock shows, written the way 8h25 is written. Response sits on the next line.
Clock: 11h39
